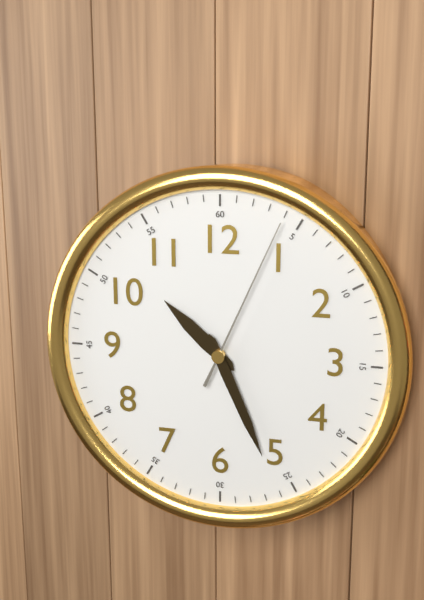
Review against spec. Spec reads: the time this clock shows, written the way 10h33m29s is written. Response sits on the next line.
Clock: 10h26m04s
